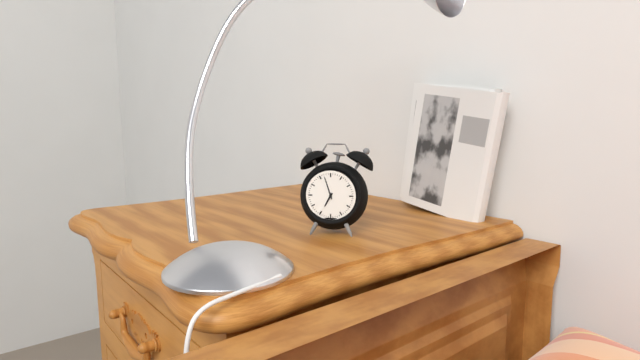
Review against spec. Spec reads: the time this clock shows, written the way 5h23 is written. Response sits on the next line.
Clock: 6h57
